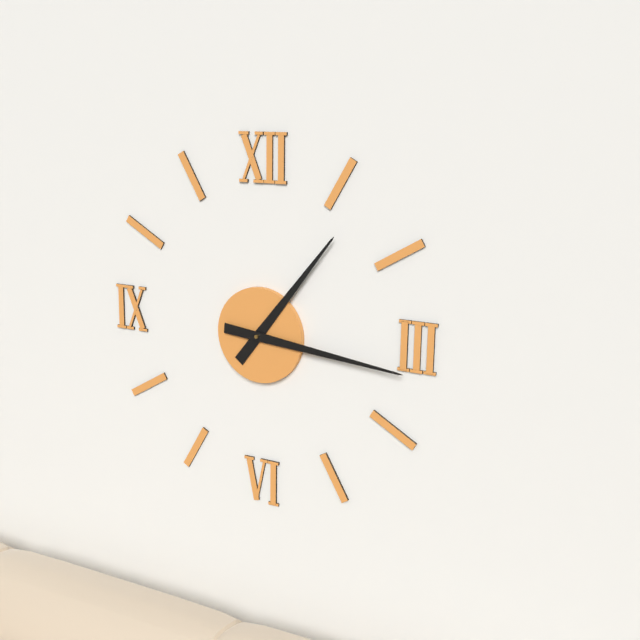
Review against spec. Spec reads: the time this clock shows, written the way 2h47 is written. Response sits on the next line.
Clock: 1h16
